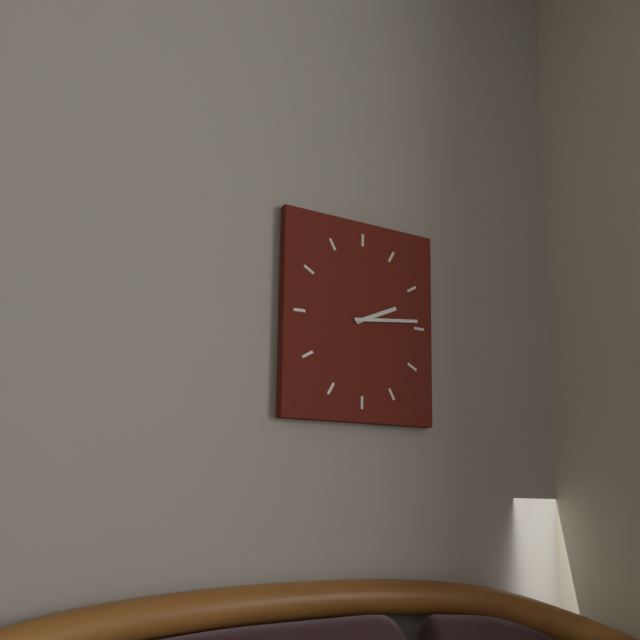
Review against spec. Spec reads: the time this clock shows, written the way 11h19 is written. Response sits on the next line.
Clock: 2h14
